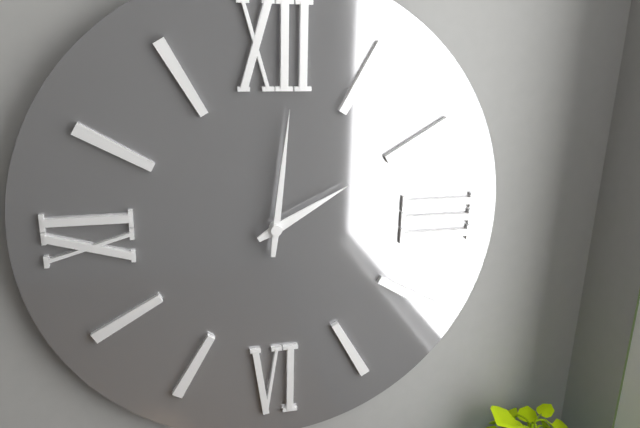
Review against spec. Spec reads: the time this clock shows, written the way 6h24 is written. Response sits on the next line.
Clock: 2h01
